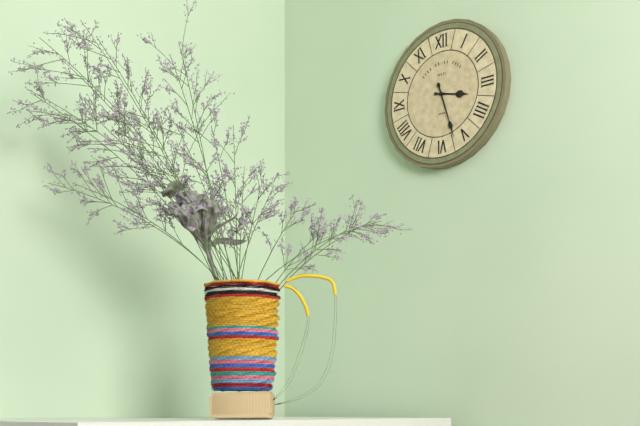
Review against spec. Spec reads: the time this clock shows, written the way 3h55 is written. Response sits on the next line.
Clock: 3h27
